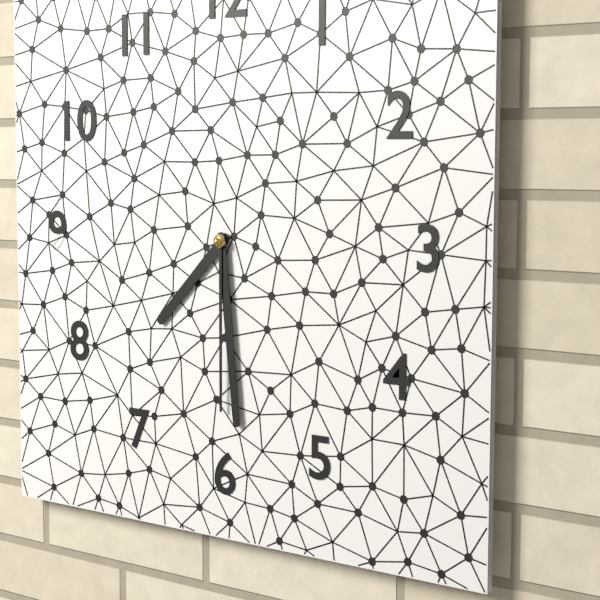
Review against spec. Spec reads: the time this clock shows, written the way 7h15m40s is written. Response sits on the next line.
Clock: 7h29m30s
